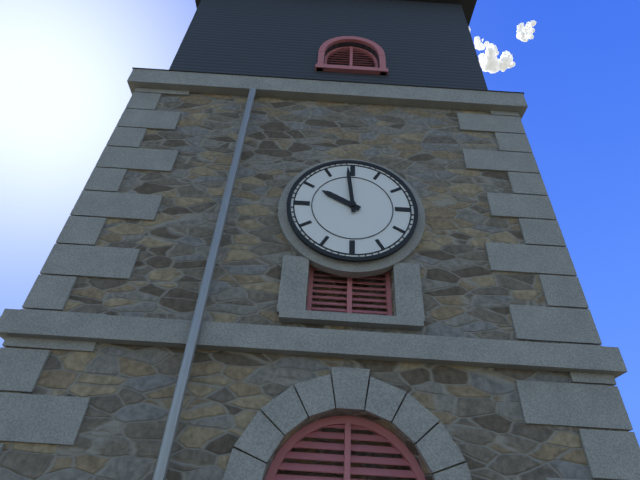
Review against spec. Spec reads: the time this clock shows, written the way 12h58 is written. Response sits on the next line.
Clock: 9h59
